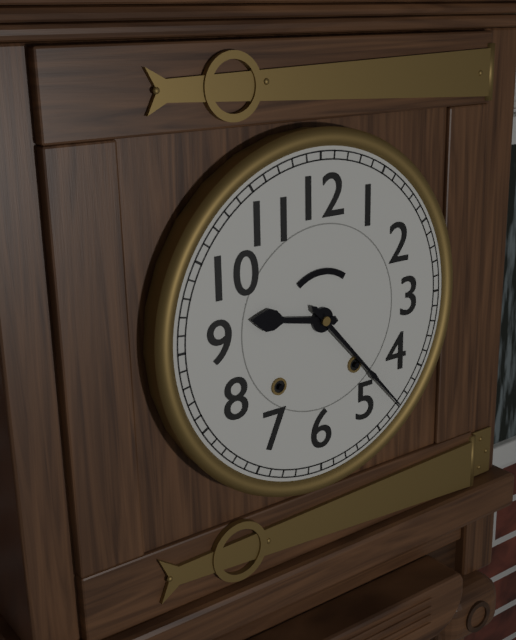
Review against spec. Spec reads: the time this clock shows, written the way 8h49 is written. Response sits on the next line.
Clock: 9h23
